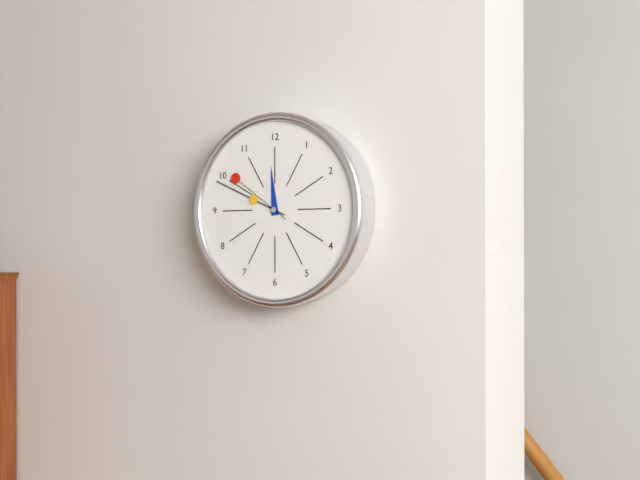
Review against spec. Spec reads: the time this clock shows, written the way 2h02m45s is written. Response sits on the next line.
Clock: 11h49m51s
